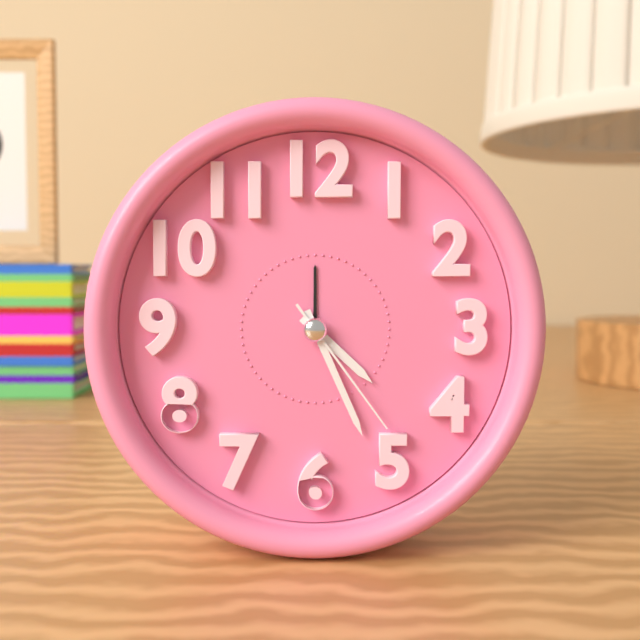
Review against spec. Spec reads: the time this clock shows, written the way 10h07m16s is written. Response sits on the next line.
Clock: 4h26m24s
